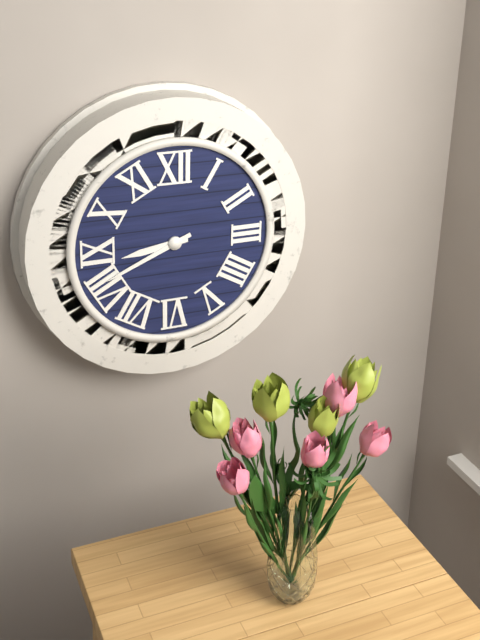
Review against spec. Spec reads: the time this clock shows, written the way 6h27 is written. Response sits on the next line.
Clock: 8h41
